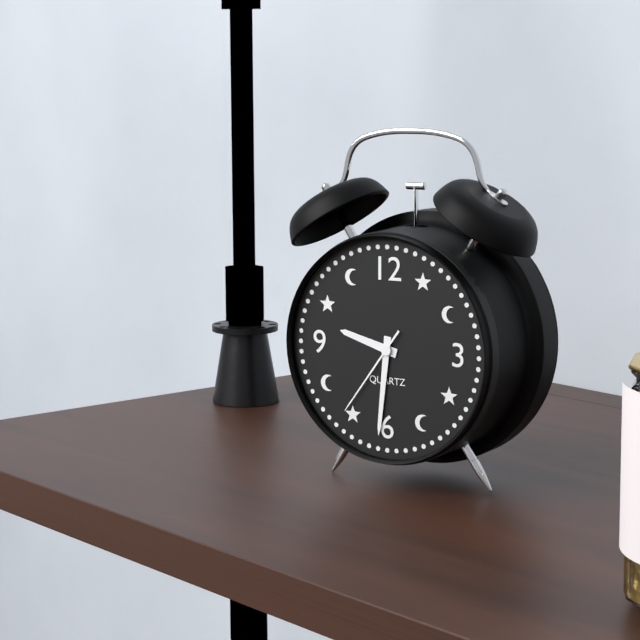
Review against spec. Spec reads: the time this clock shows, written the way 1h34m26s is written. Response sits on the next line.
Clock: 9h31m36s
